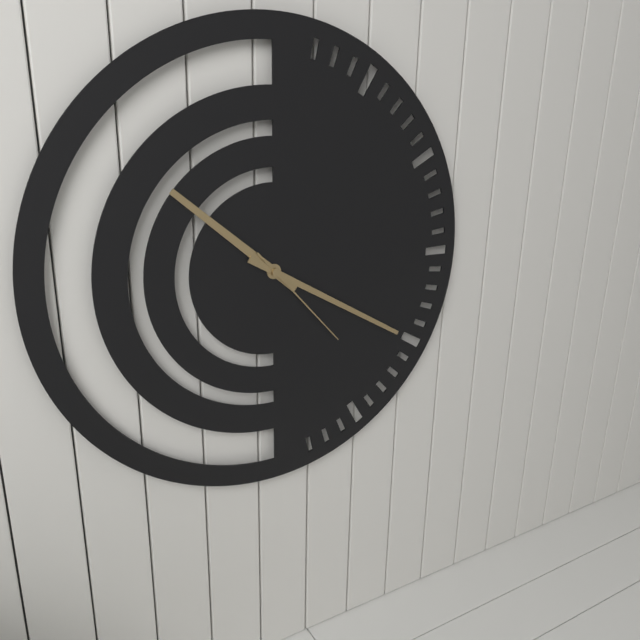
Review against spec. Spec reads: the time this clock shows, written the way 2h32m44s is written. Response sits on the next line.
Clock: 10h20m23s
